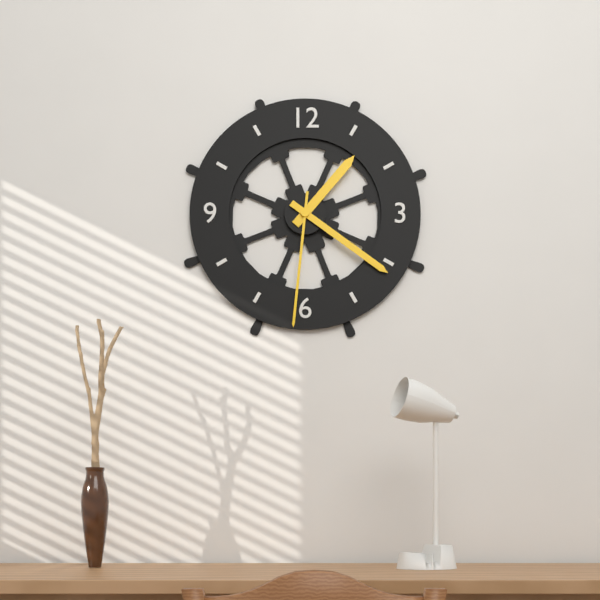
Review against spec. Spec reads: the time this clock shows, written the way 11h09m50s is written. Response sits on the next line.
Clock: 1h21m31s
